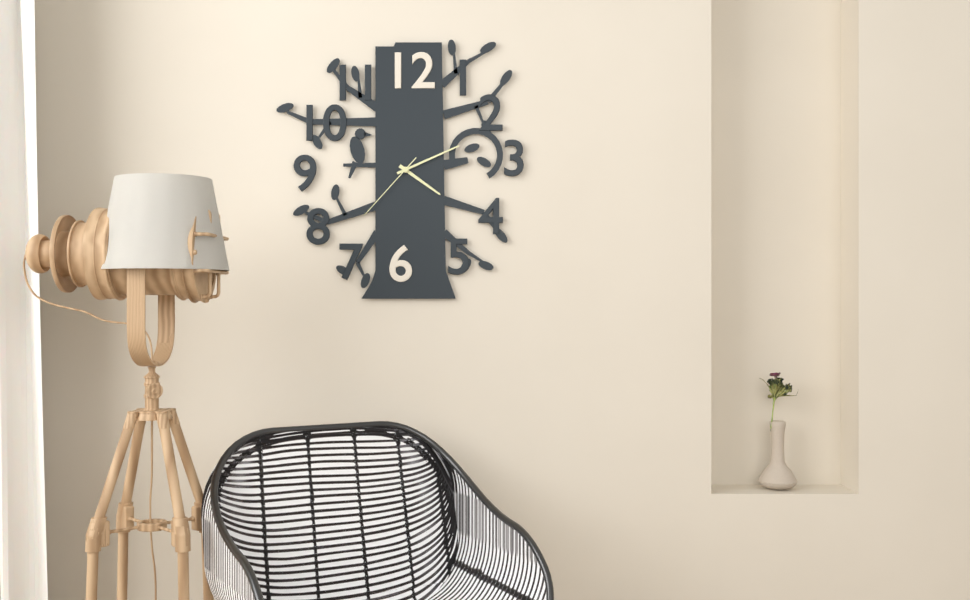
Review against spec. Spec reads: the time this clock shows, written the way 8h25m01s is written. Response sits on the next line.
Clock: 4h11m37s
